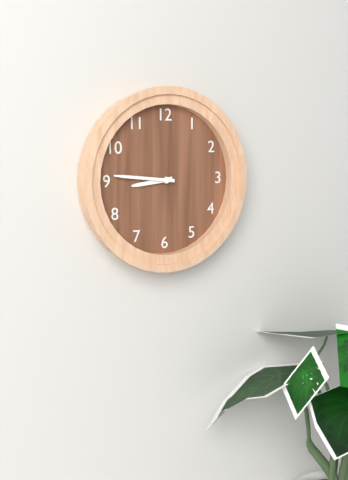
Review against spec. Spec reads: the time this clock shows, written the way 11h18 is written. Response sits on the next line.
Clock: 8h46
